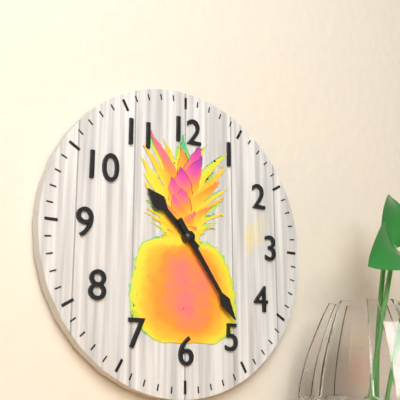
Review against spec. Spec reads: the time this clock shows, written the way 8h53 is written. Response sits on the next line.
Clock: 10h24
